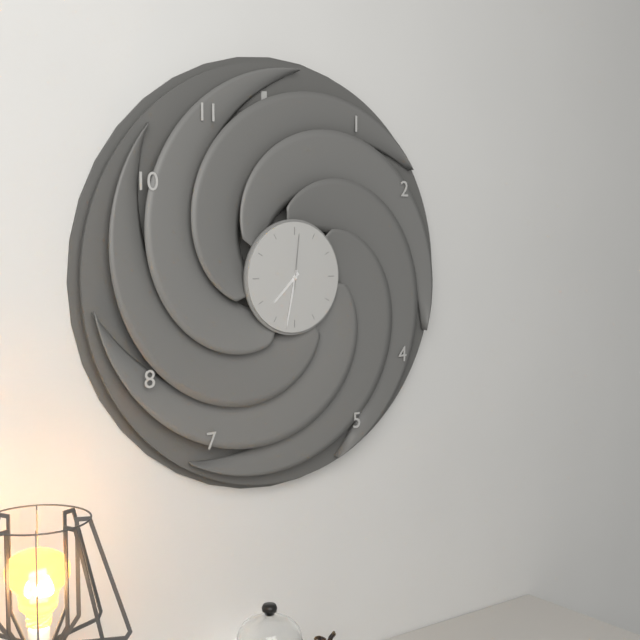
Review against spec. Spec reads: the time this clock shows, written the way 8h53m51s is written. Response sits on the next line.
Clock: 7h32m01s
